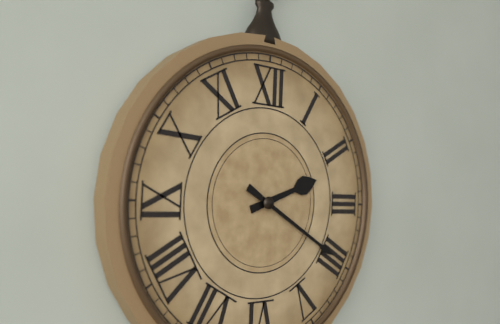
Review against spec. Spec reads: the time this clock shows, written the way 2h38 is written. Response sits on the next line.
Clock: 2h20
